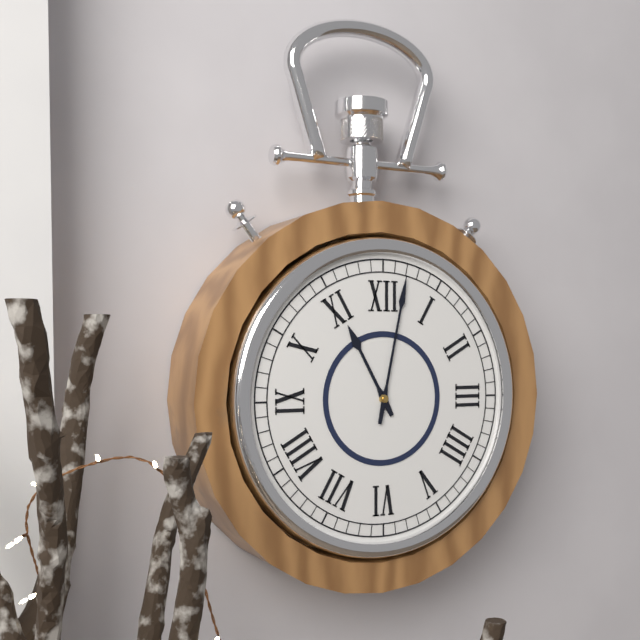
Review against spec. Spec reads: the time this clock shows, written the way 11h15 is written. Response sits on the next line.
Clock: 11h02
